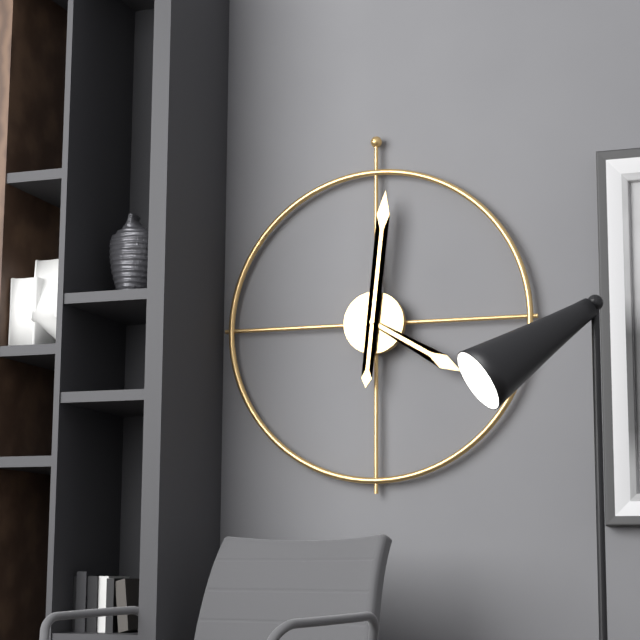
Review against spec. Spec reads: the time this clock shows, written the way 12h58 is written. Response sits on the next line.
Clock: 4h01
